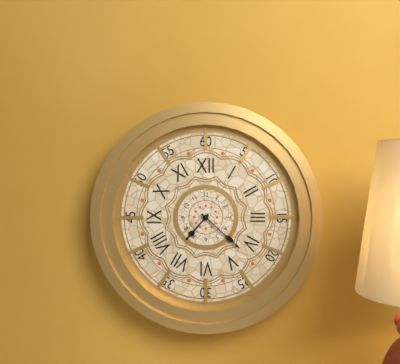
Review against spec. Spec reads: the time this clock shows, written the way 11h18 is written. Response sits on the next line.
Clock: 7h22
